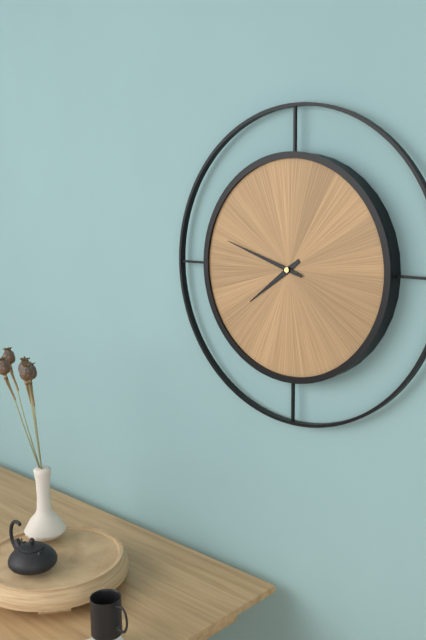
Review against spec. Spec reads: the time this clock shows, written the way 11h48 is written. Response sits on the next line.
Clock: 7h48
